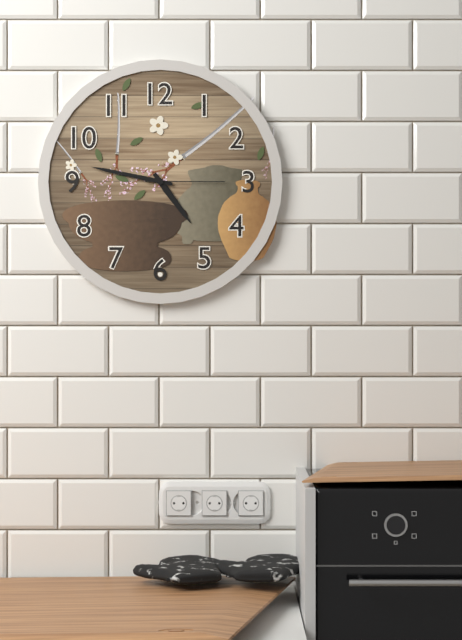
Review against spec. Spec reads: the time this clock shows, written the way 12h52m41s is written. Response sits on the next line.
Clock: 4h47m15s
